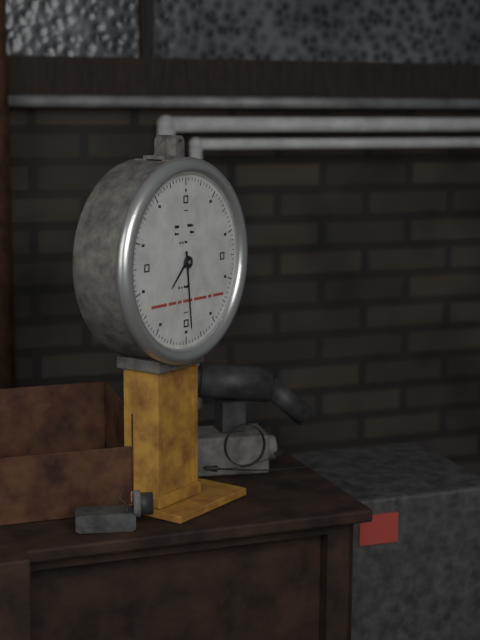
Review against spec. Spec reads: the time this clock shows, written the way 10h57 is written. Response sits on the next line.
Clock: 7h29
